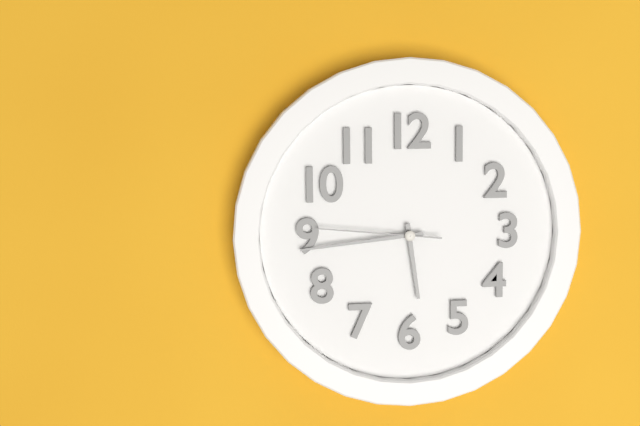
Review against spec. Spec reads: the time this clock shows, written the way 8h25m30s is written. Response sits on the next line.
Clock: 5h44m46s
